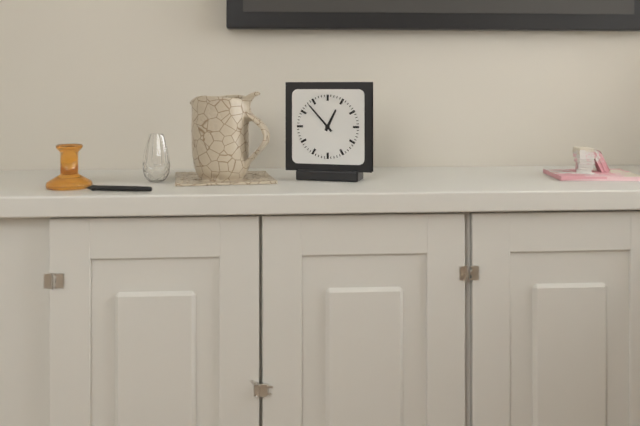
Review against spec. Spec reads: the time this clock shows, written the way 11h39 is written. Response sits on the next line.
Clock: 12h53
